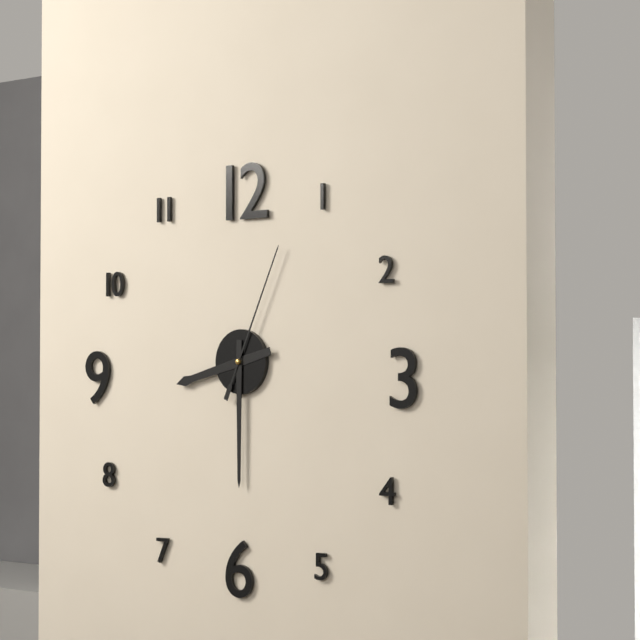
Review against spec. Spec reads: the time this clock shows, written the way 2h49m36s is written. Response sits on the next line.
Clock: 8h30m04s
